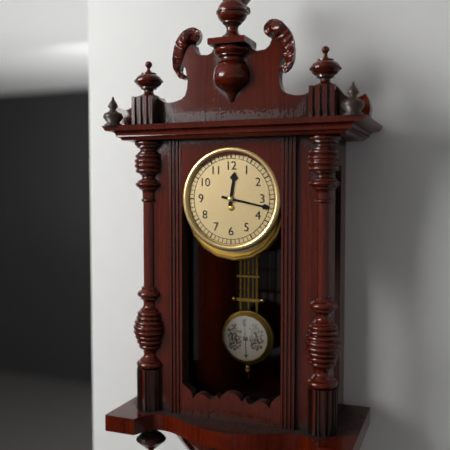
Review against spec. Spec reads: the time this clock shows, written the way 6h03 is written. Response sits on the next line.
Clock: 12h17
